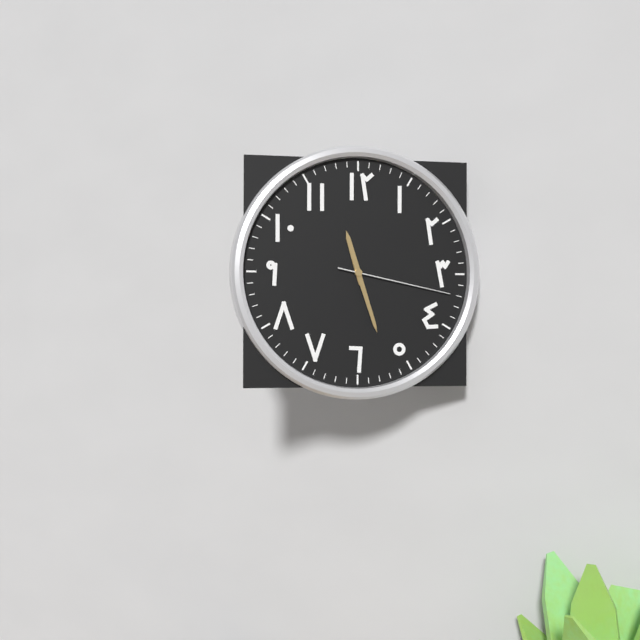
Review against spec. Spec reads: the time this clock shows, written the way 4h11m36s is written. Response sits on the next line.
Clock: 11h27m17s
